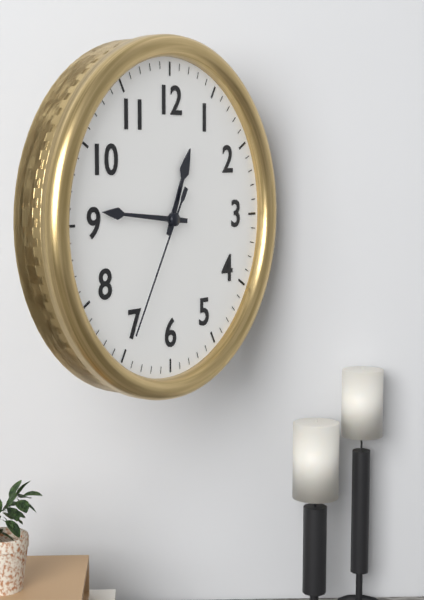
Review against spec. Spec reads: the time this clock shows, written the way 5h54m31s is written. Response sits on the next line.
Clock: 12h46m35s
